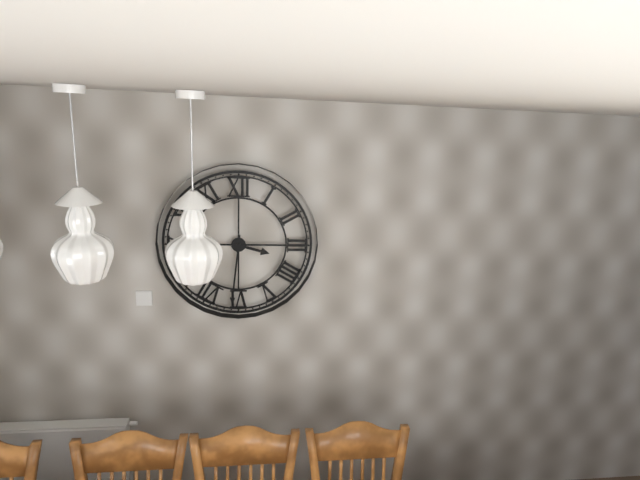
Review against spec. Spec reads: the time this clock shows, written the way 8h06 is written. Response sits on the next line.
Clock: 3h31
